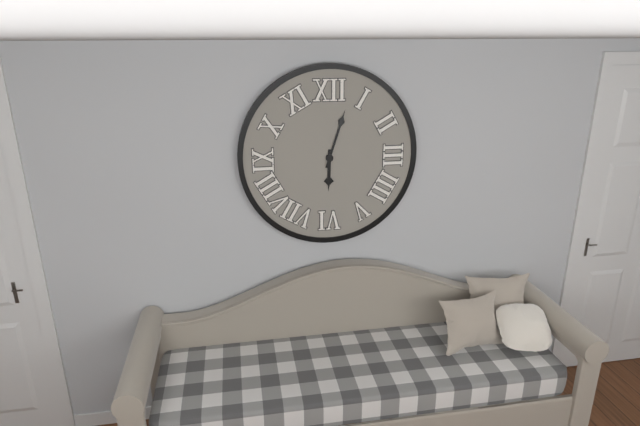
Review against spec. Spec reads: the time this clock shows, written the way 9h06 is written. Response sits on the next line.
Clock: 6h03
